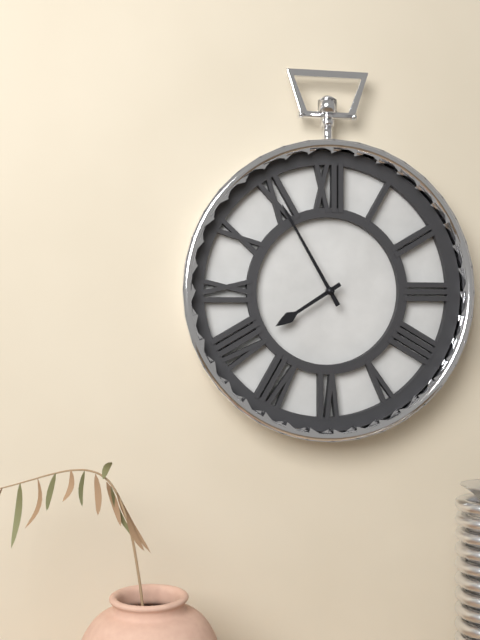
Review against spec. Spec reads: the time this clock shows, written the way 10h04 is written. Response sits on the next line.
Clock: 7h55
